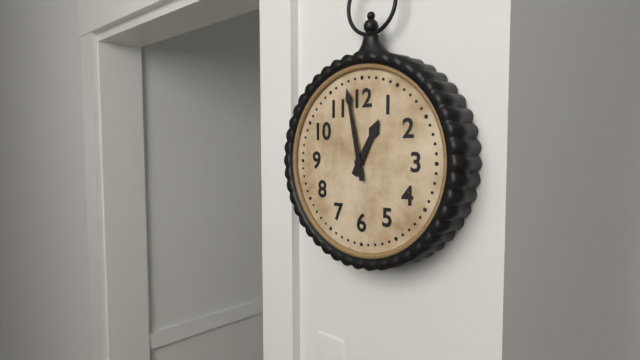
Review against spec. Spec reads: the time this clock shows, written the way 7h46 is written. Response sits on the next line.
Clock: 12h58
